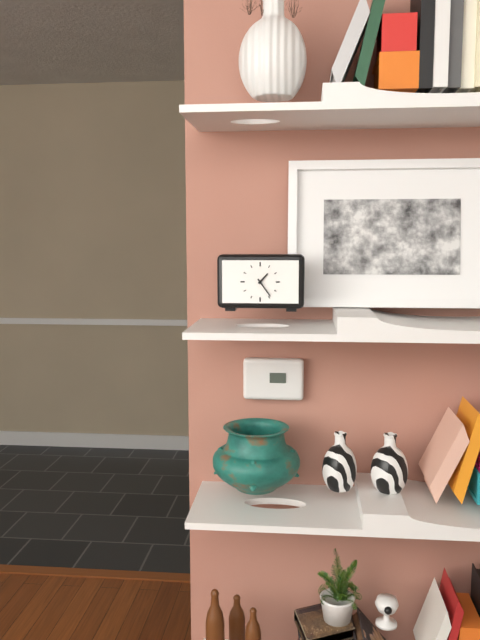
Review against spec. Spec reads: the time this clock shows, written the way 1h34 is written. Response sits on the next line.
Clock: 1h24
